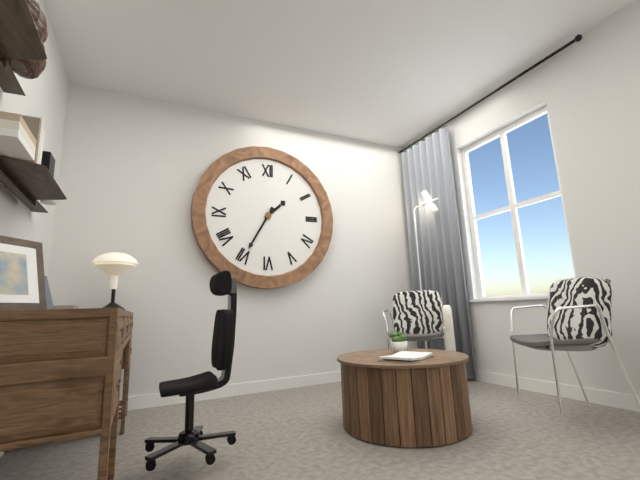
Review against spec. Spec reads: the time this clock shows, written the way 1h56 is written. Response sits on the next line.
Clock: 1h35
